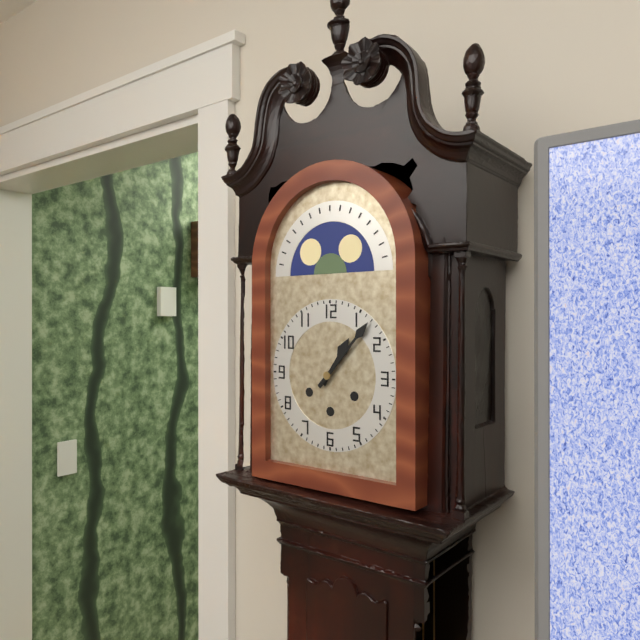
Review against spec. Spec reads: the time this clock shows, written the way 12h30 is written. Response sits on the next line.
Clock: 1h07
